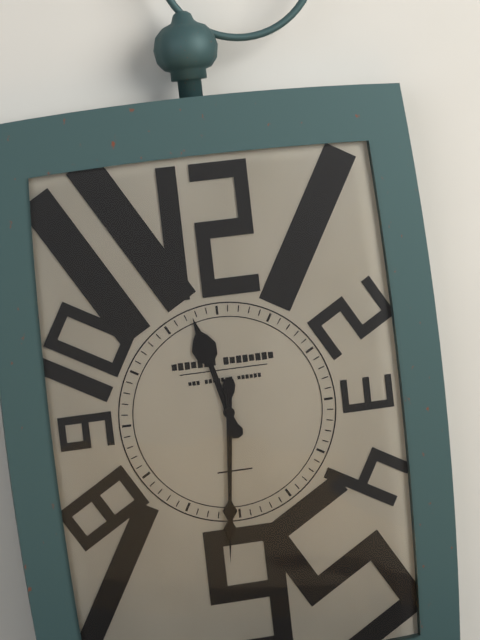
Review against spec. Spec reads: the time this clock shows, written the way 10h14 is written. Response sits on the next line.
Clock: 11h31
